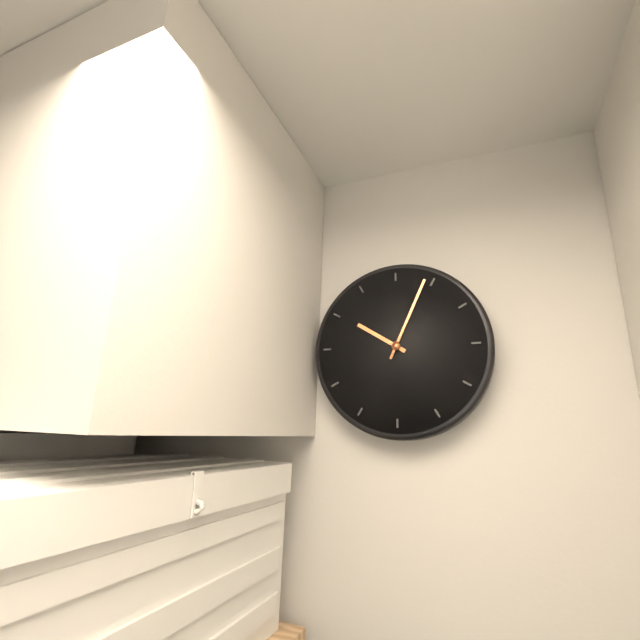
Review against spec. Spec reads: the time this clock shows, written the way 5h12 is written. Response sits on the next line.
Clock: 10h04
